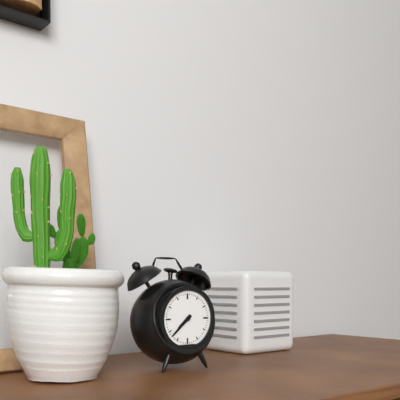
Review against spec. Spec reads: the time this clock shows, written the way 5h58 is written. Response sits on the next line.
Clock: 7h38
